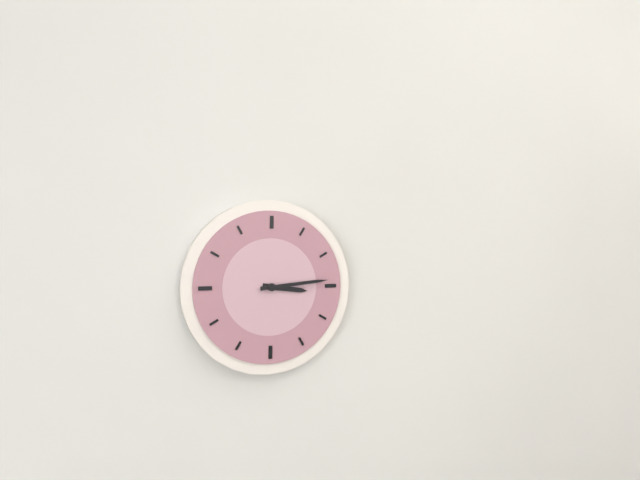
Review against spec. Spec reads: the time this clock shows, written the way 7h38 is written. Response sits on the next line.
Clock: 3h14
